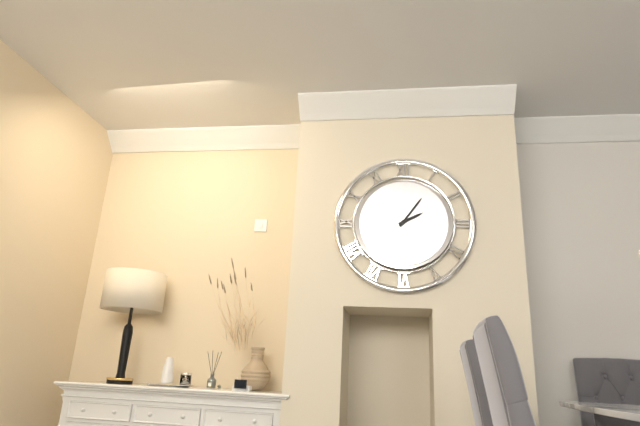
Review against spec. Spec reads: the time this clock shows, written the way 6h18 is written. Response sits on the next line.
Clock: 2h06
